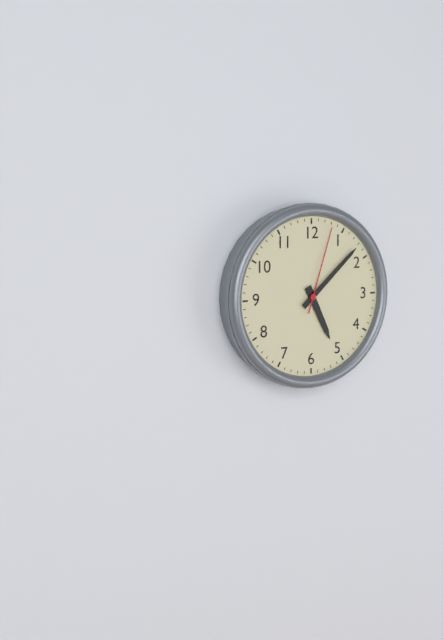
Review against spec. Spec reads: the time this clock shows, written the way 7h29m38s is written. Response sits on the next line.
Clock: 5h08m03s
